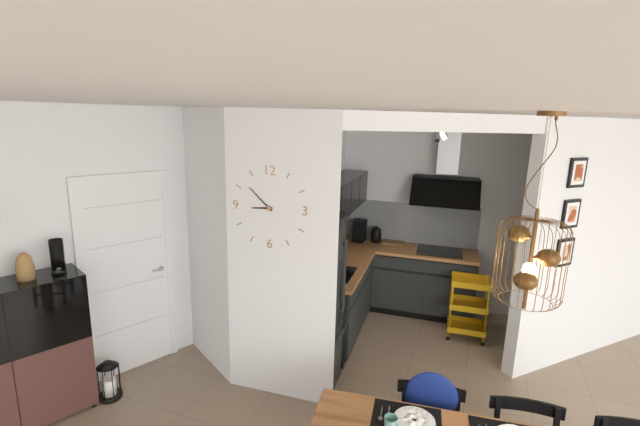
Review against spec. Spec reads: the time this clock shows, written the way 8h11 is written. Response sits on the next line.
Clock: 8h52
